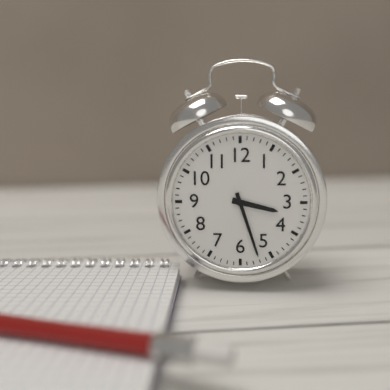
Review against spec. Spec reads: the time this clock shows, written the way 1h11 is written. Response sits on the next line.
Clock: 3h27
